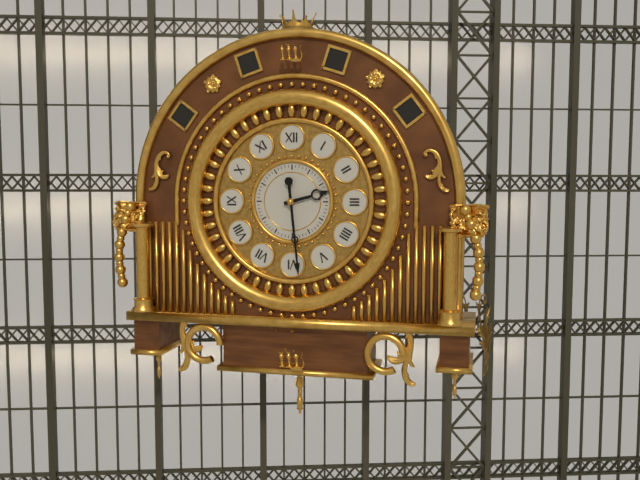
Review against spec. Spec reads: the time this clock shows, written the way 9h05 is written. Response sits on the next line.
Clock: 2h29
